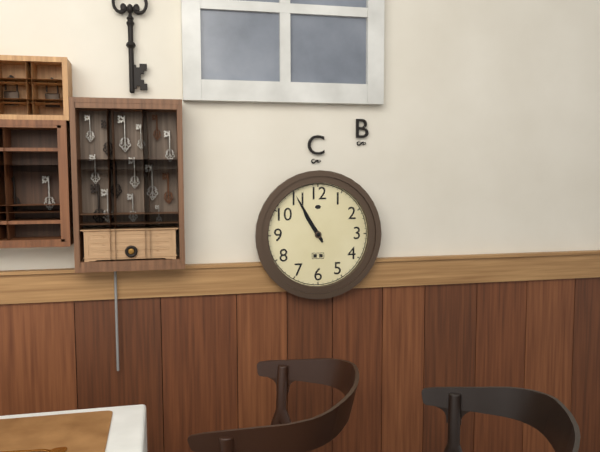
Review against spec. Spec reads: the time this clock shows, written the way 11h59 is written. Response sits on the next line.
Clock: 10h55
